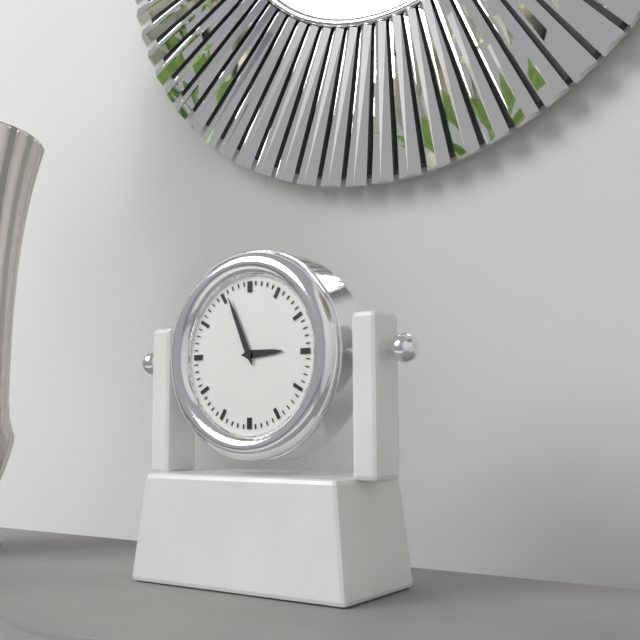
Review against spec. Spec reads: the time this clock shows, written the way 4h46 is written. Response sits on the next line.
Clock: 2h56
